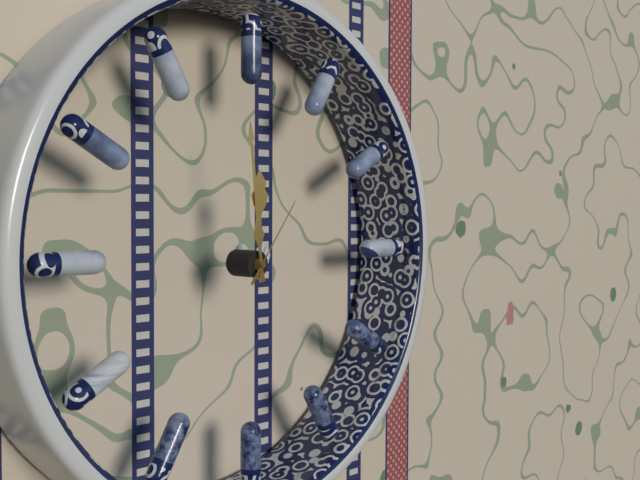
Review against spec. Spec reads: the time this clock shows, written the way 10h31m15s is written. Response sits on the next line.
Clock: 11h59m06s
